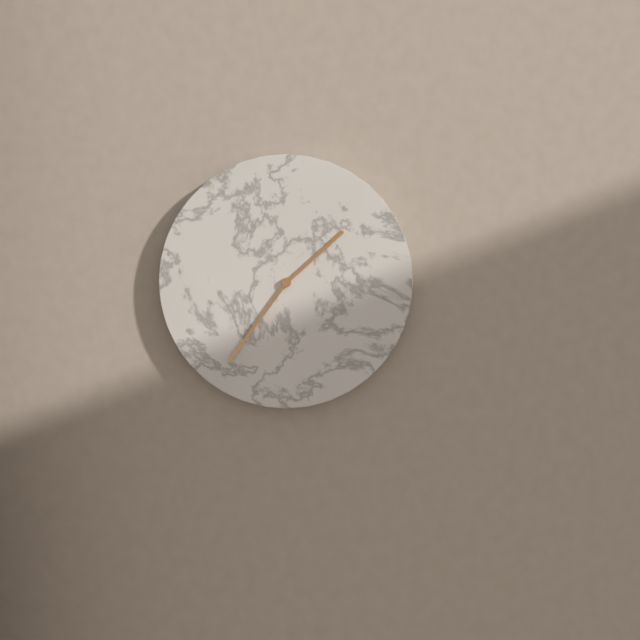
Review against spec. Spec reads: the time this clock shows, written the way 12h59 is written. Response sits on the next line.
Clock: 1h36
